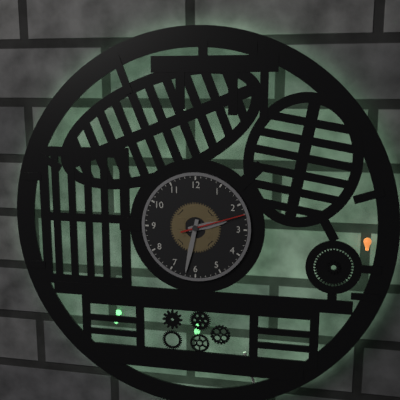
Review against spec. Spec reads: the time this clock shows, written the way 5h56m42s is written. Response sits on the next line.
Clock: 2h32m12s
